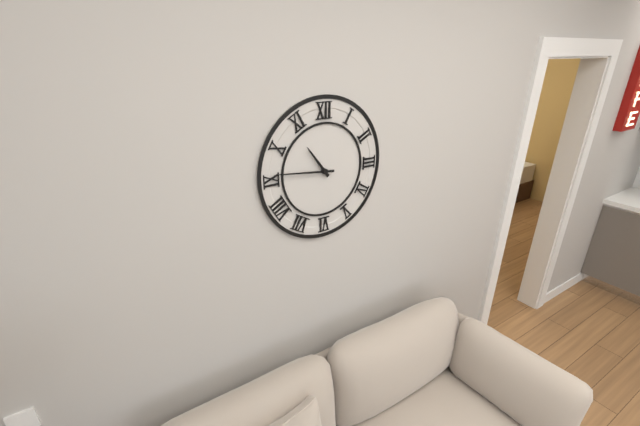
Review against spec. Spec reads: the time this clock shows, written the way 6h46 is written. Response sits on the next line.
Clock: 10h46
